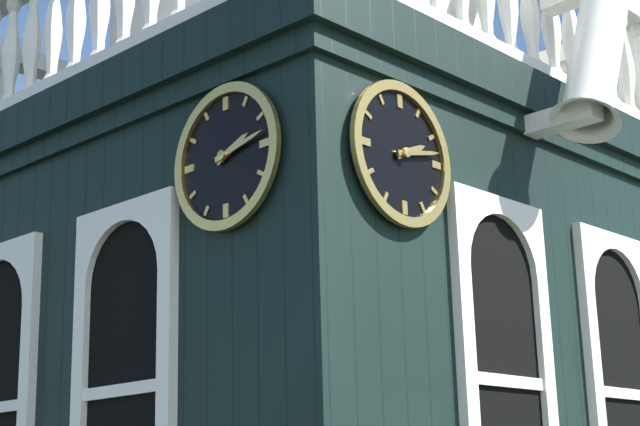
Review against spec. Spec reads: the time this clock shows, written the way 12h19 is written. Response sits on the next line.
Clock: 2h13
